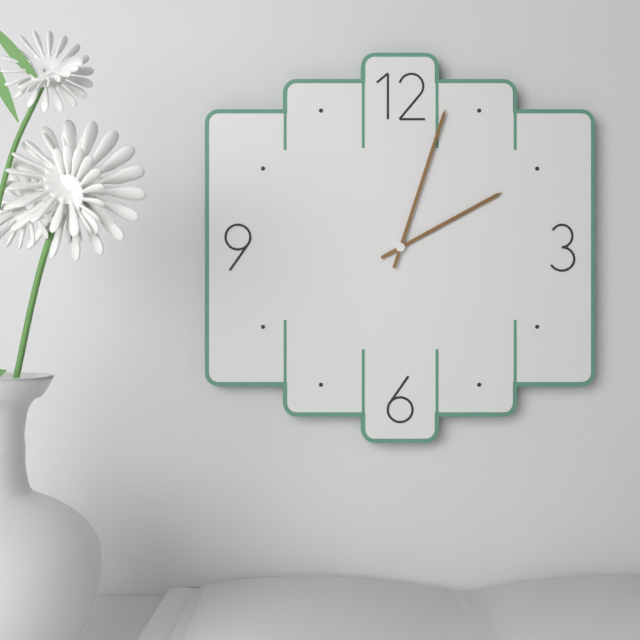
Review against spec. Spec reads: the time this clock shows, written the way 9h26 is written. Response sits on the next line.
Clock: 2h03
